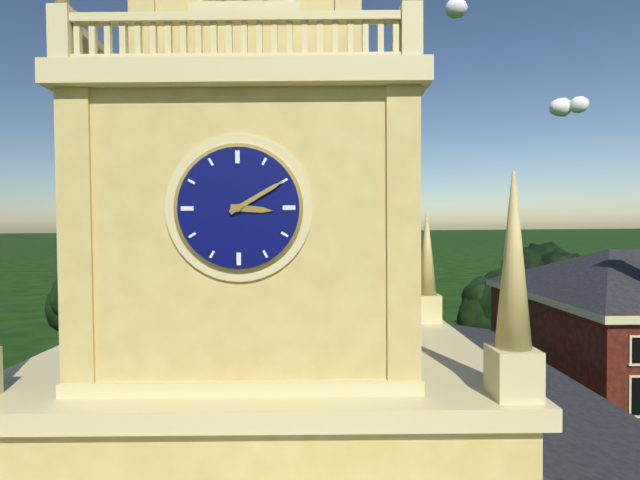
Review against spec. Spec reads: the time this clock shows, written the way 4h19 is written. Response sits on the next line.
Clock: 3h10
